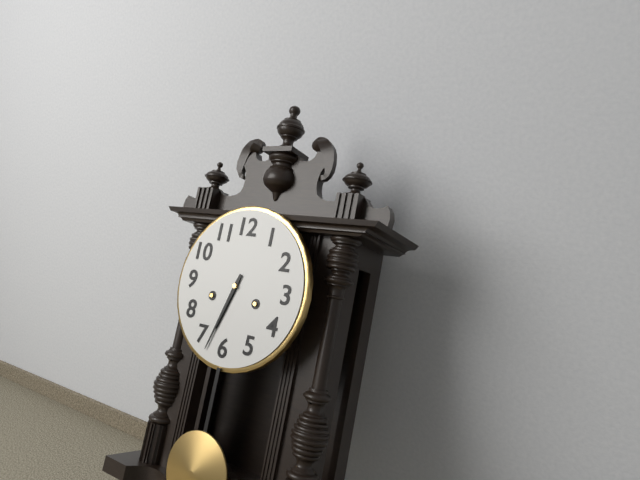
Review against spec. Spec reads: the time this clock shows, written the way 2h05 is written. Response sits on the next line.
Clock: 6h33
